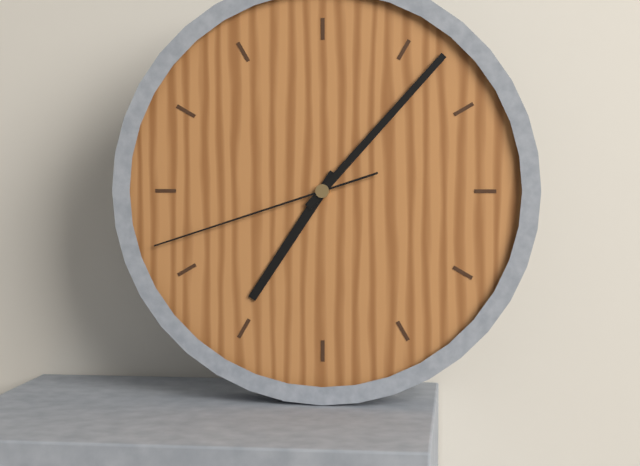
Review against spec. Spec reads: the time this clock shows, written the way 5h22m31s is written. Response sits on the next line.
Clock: 7h07m42s
